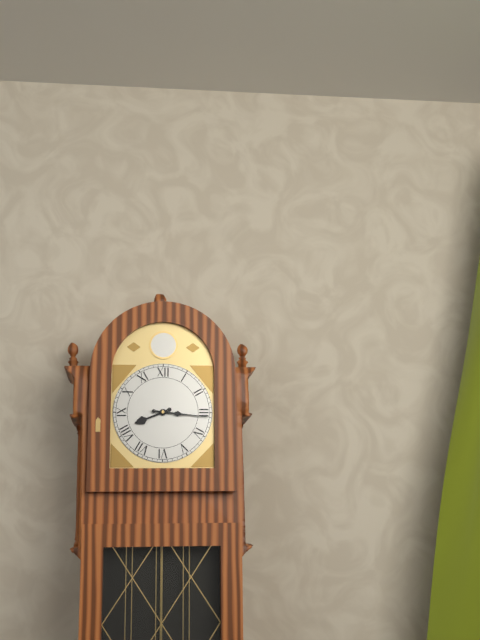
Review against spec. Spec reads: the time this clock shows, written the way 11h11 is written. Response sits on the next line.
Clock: 8h16
